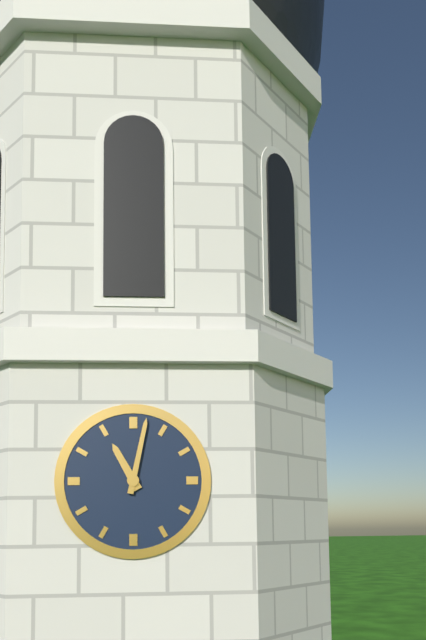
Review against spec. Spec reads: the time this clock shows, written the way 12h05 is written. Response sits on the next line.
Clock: 11h02
